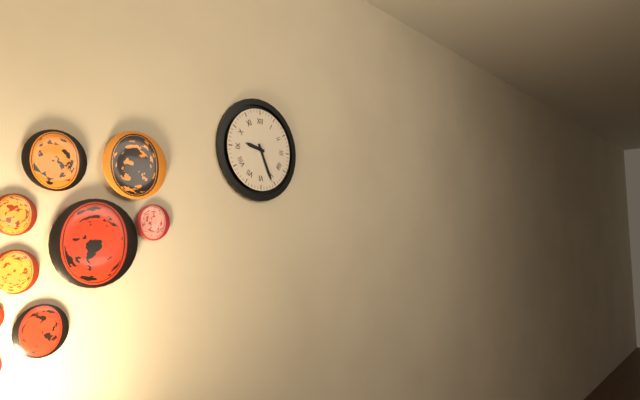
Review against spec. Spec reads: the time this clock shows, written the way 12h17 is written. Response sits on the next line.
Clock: 9h26
